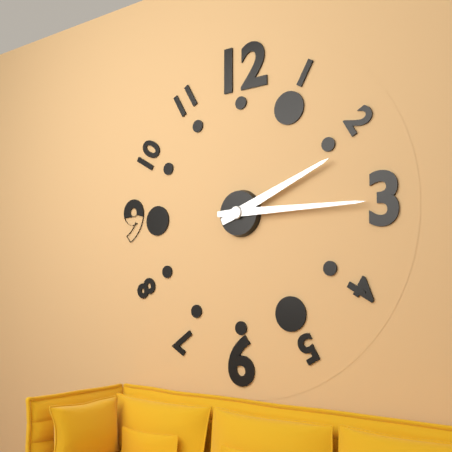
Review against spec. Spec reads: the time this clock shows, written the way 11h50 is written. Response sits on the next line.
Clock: 2h15
